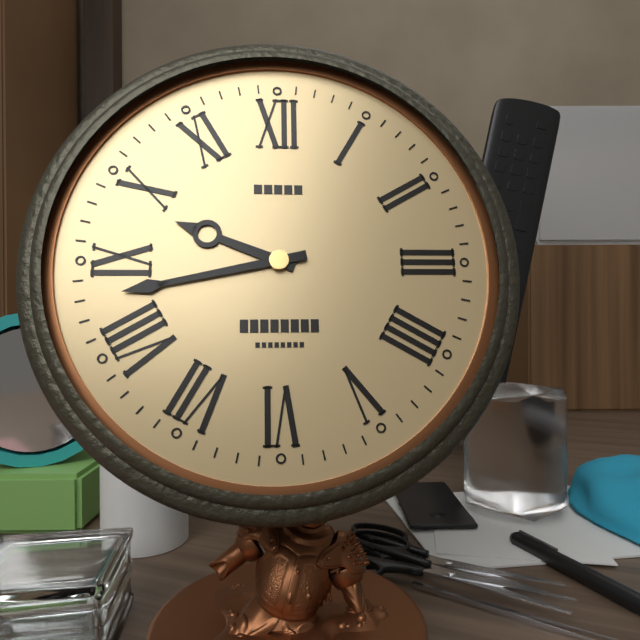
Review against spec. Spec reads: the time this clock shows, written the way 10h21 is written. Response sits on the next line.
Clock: 9h43
